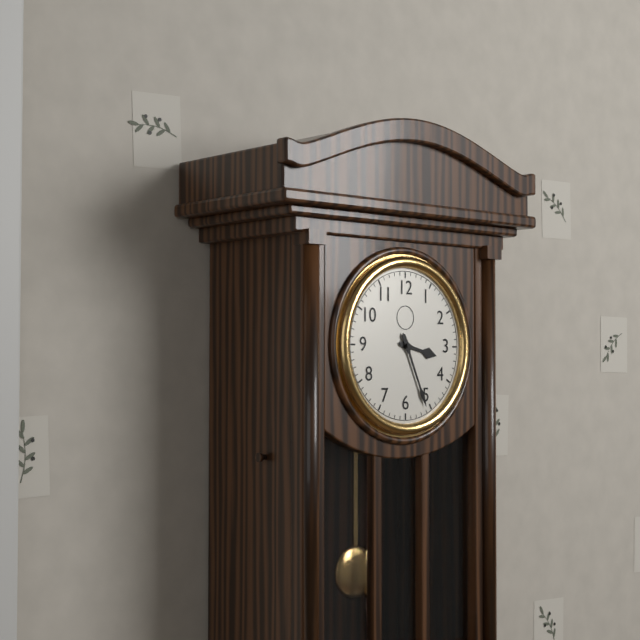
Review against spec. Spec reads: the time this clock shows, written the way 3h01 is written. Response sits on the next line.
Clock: 3h26
